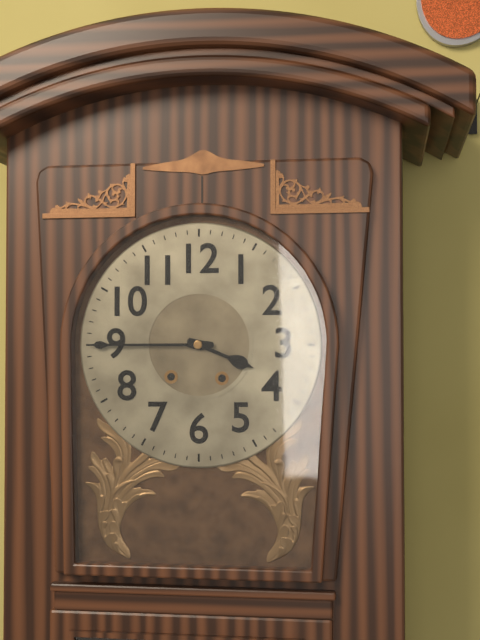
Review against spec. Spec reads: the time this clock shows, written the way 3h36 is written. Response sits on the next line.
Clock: 3h45
